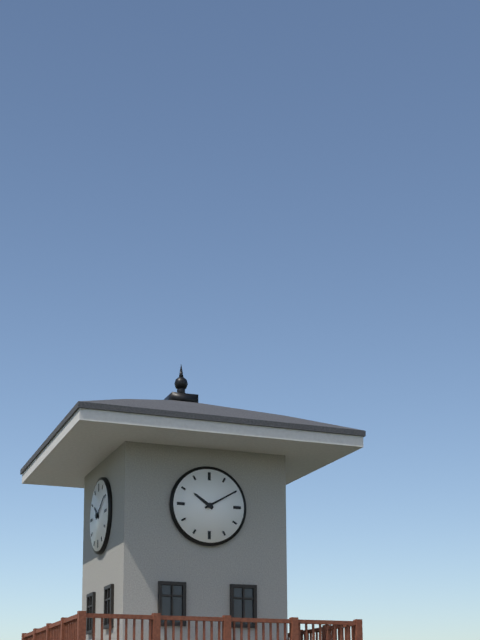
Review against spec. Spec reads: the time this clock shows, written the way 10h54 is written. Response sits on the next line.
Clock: 10h10
